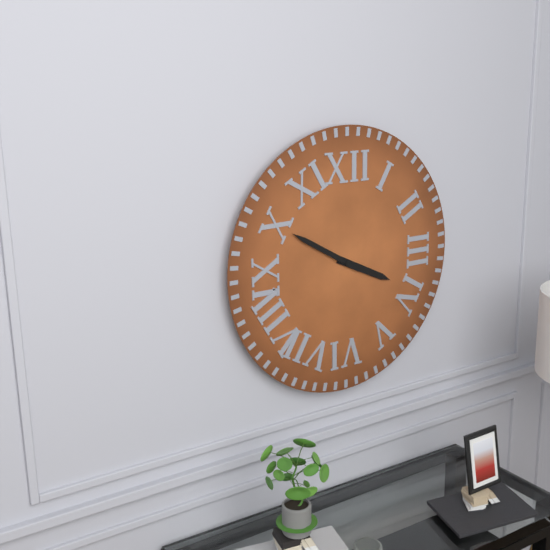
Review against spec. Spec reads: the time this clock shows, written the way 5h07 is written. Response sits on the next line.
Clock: 3h50
